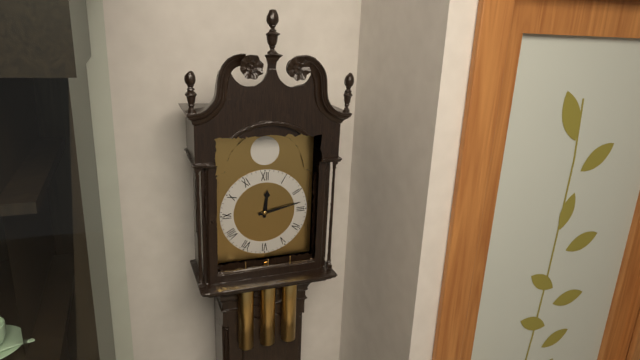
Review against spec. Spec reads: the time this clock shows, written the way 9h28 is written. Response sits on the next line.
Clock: 12h13
